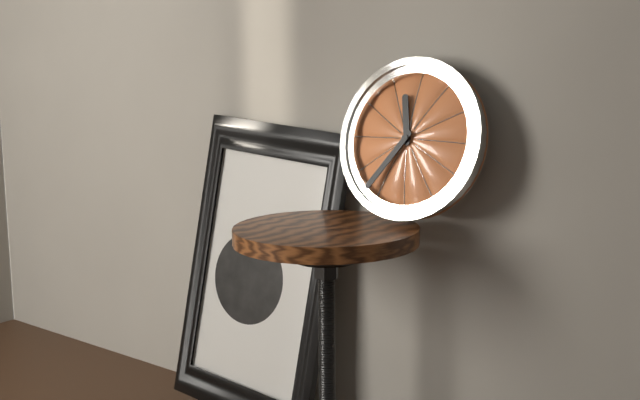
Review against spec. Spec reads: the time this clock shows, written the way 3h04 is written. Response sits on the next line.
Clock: 11h36
